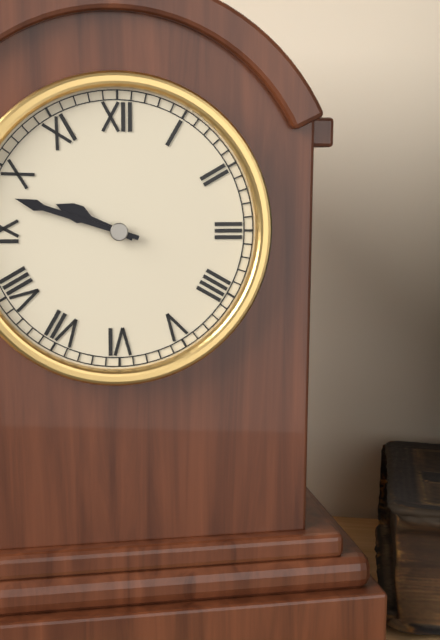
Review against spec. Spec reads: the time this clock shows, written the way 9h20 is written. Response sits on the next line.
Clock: 9h48
